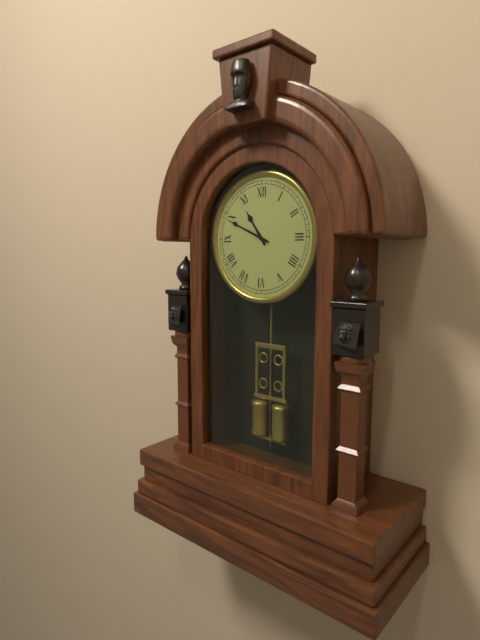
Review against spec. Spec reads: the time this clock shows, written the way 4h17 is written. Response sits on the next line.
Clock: 10h49
